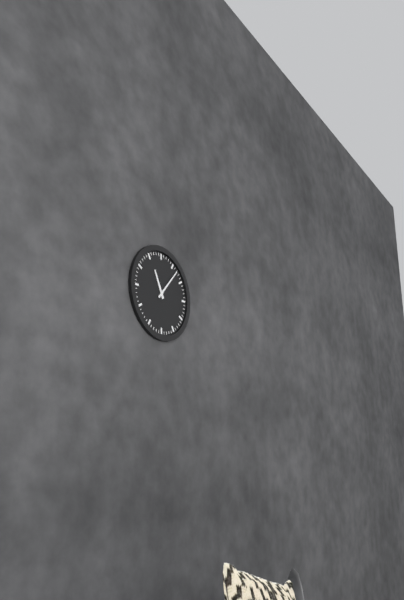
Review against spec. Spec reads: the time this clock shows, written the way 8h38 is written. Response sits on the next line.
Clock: 11h07
